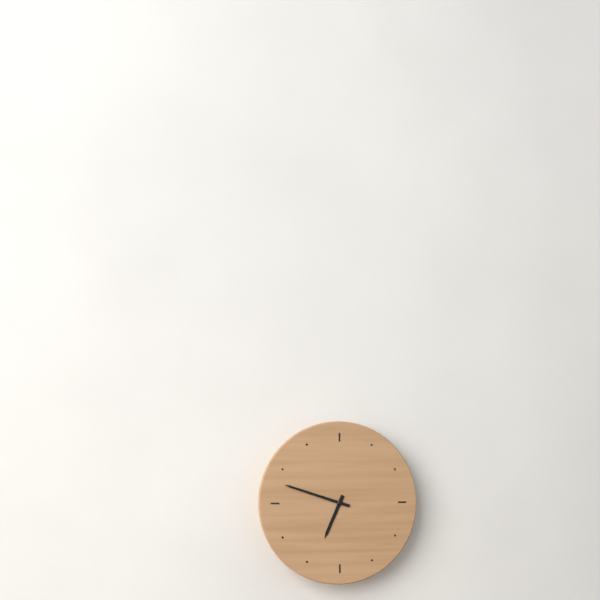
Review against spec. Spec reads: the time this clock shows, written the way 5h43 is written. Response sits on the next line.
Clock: 6h48
